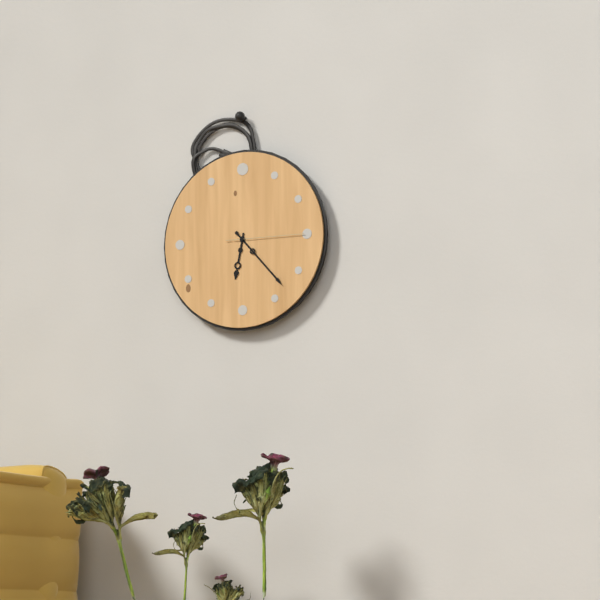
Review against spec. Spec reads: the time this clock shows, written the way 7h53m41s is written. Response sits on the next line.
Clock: 6h23m15s
